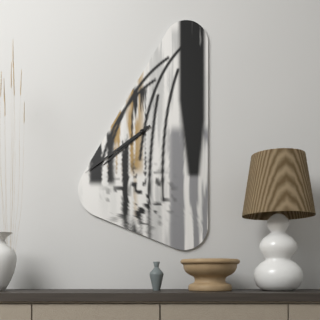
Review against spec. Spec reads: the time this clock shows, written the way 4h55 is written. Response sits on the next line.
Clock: 7h39
